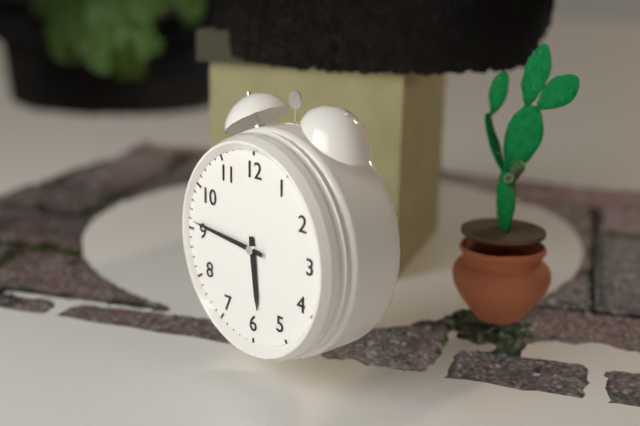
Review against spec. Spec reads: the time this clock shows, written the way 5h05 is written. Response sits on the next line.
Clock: 5h46
